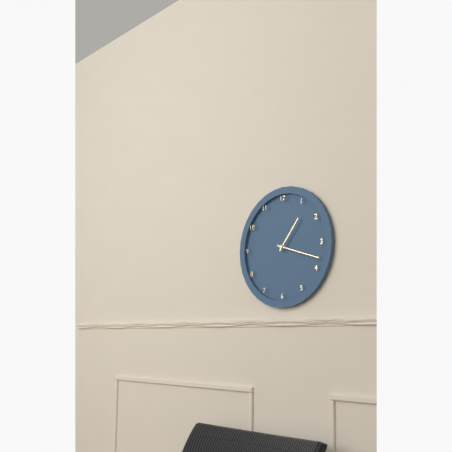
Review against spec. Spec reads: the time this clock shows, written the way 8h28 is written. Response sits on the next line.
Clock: 1h18
